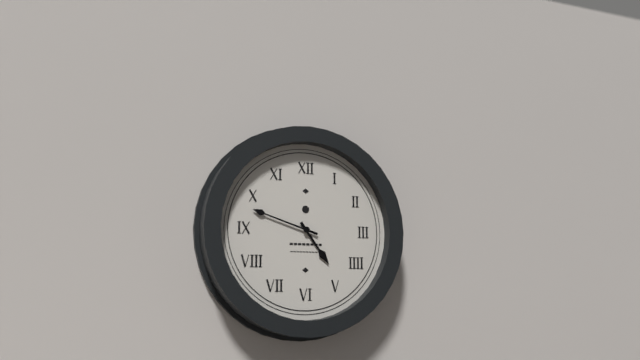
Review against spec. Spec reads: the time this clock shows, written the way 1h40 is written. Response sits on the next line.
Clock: 4h48
